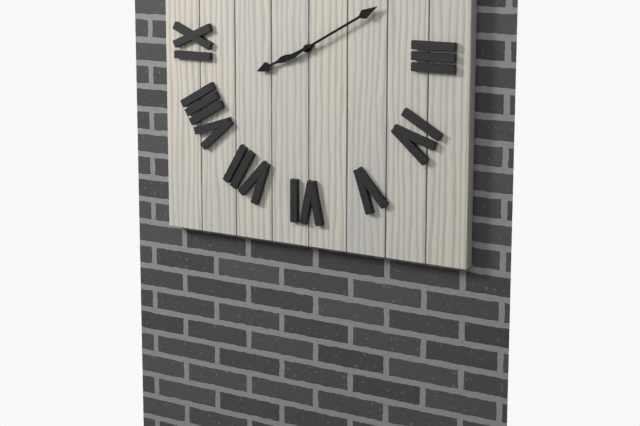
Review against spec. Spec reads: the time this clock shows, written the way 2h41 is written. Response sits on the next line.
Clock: 8h10
